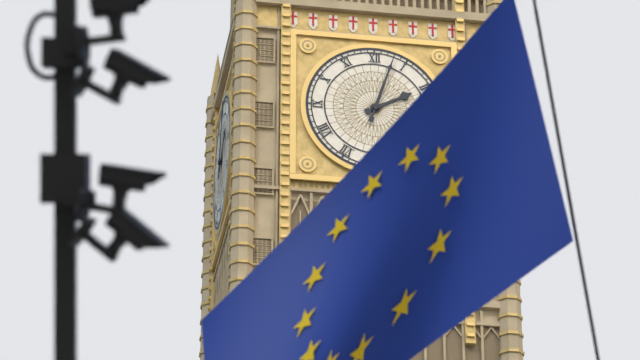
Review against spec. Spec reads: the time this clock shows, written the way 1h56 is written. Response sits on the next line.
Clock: 2h03
